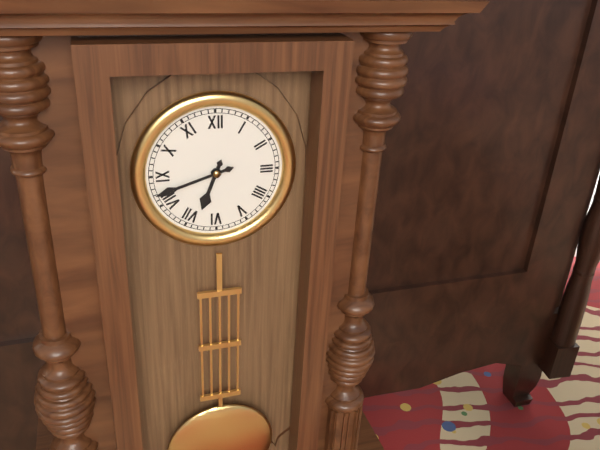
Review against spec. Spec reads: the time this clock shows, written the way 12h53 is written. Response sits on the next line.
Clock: 6h42
